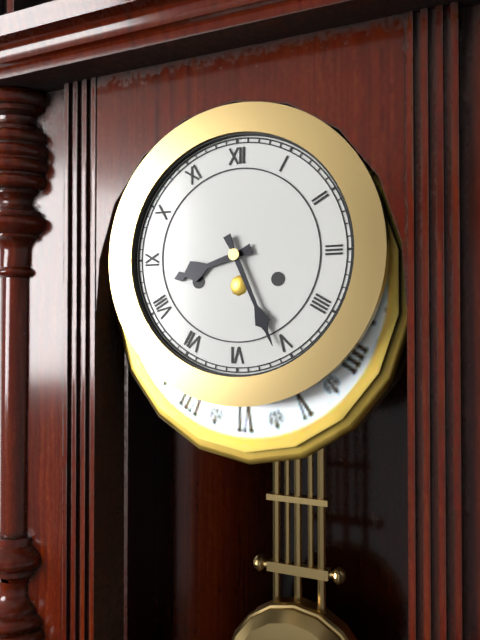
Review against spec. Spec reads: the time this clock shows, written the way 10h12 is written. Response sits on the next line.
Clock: 8h26
